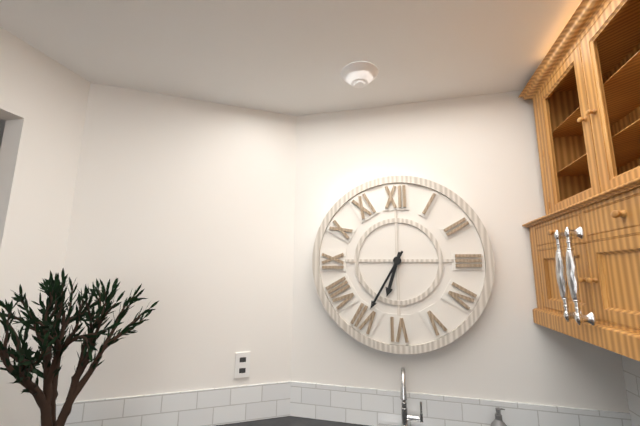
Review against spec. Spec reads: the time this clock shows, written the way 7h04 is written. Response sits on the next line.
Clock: 6h35
